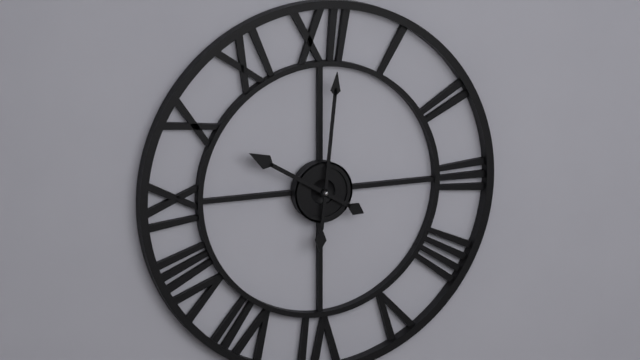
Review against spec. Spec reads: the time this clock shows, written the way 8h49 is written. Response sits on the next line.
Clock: 10h01
